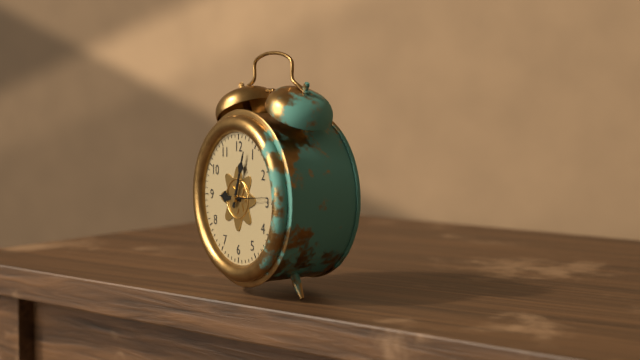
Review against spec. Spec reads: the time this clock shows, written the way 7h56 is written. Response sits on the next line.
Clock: 9h03
